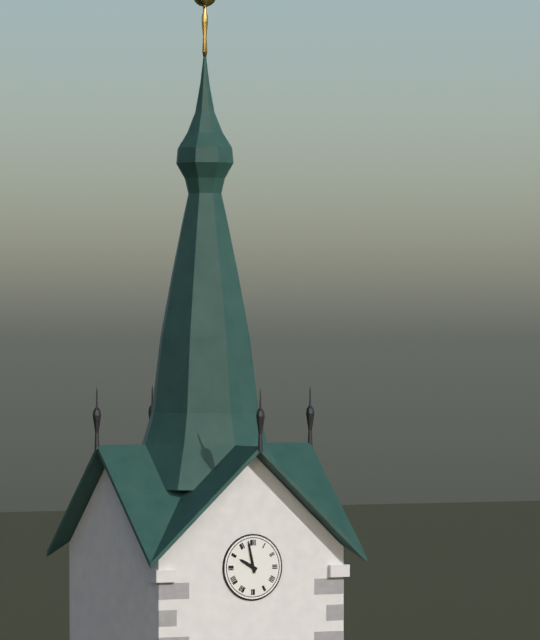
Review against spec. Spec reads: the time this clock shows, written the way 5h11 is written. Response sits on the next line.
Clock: 9h58
